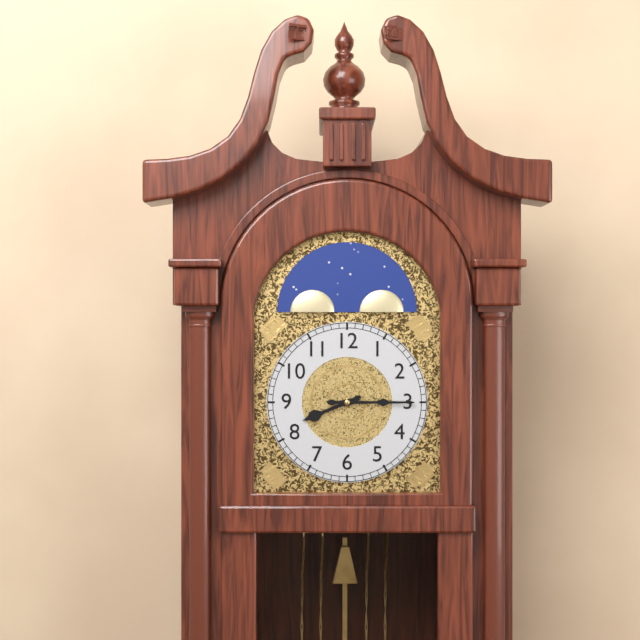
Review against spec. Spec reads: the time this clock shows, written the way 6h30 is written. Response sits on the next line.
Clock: 8h15
